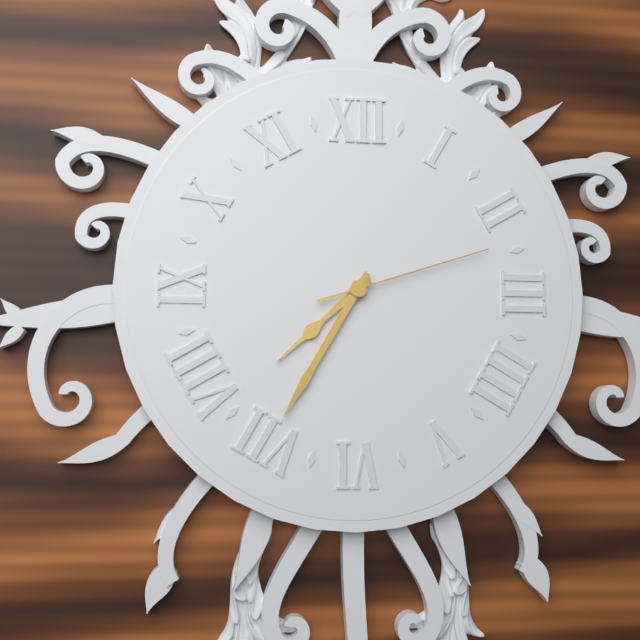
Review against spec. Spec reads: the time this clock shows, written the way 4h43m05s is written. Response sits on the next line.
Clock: 7h35m12s
